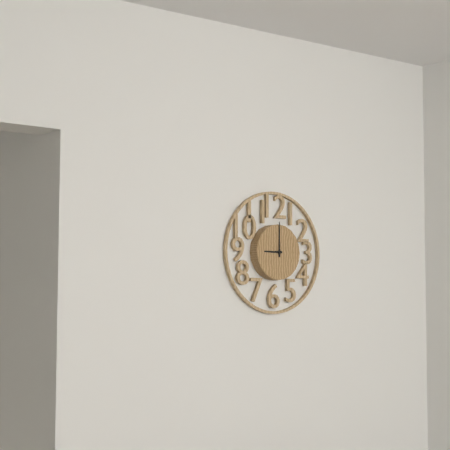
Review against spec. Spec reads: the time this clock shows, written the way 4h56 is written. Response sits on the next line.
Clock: 9h00
